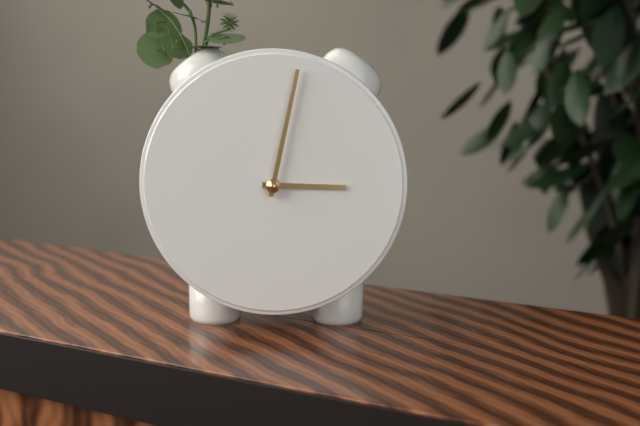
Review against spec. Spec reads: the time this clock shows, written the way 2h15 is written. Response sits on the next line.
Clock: 3h02
